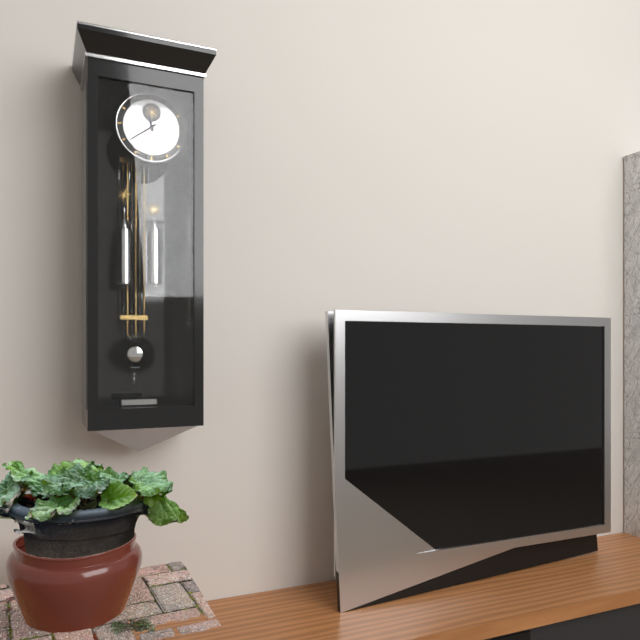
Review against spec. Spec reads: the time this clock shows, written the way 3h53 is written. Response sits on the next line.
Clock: 11h39
